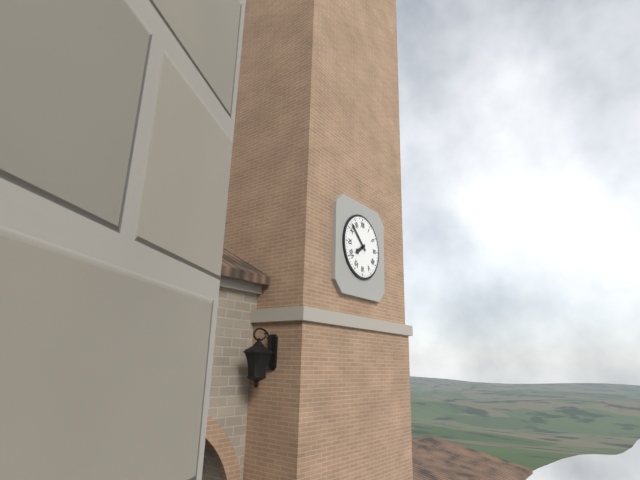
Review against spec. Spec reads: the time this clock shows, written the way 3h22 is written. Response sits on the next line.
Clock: 7h52
